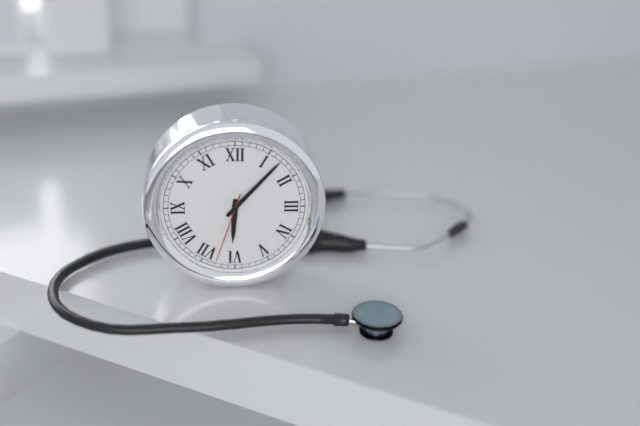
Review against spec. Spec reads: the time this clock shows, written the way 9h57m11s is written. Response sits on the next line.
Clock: 6h07m33s
